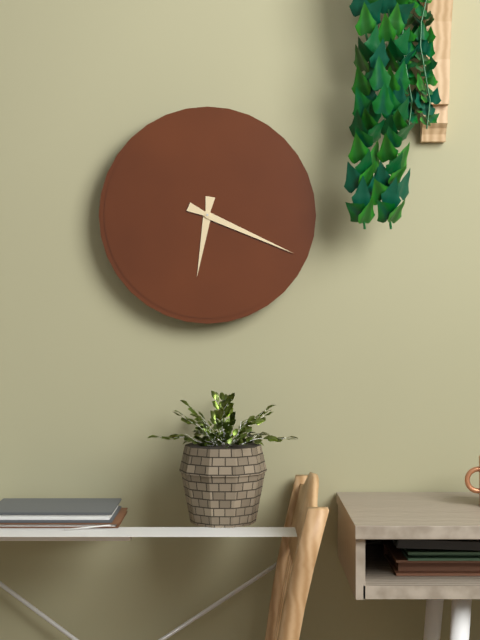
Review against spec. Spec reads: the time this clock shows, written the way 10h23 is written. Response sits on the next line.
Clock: 6h19
